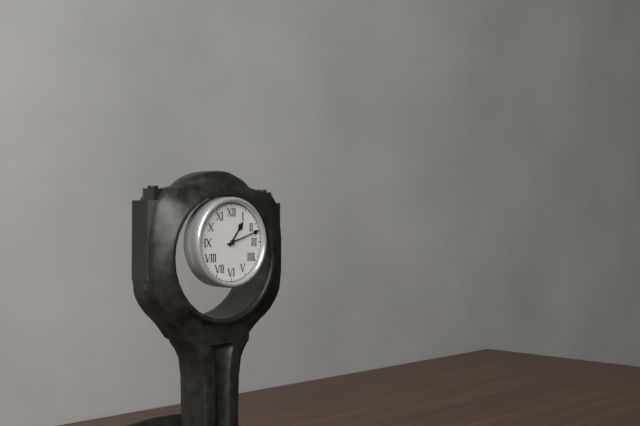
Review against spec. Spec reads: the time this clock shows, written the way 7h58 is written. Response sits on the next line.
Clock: 1h12
